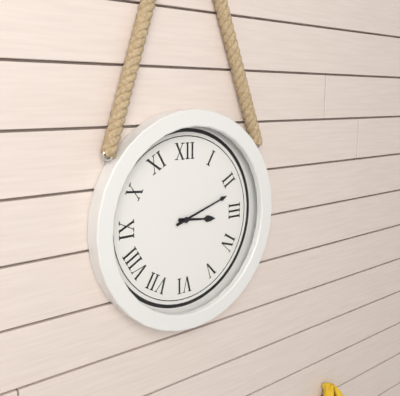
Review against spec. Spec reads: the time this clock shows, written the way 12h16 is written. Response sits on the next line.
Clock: 3h12
